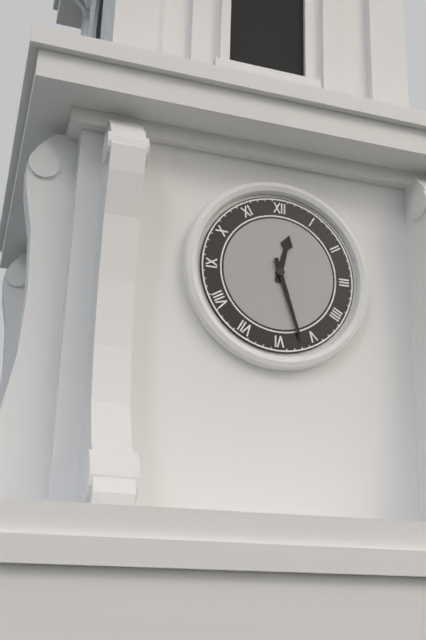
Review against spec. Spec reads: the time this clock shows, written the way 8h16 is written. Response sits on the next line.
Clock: 12h27
